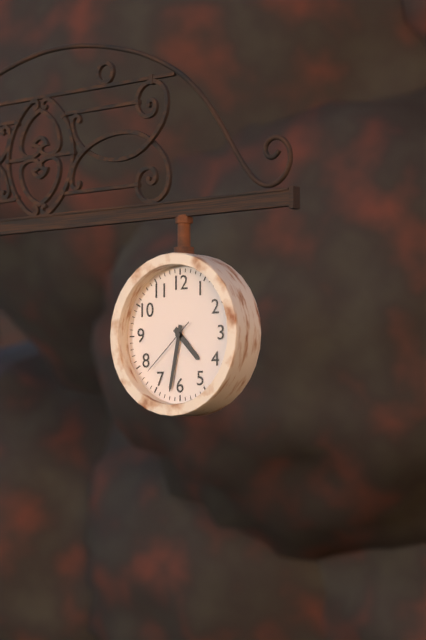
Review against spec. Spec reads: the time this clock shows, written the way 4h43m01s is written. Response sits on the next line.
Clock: 4h32m38s
